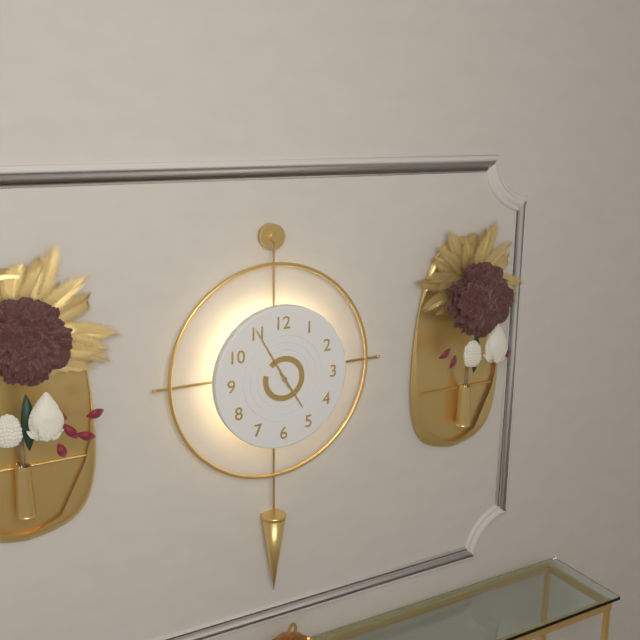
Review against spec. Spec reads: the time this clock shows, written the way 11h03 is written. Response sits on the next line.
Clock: 4h55
